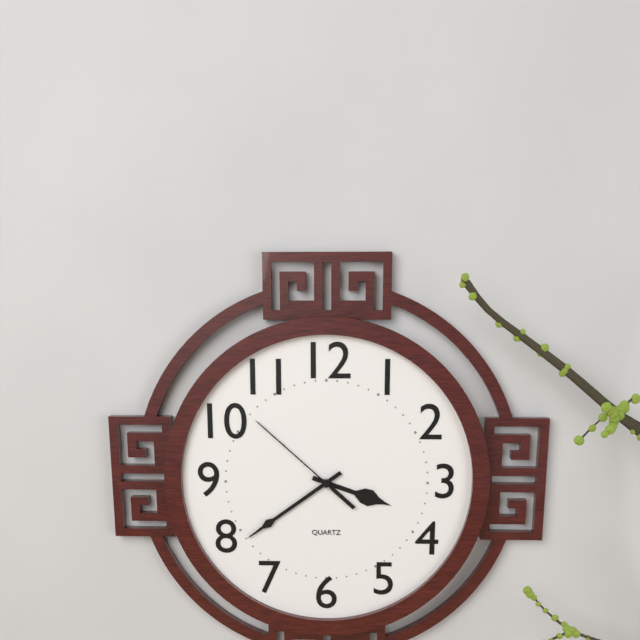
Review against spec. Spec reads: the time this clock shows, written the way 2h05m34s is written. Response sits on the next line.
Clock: 3h39m52s
